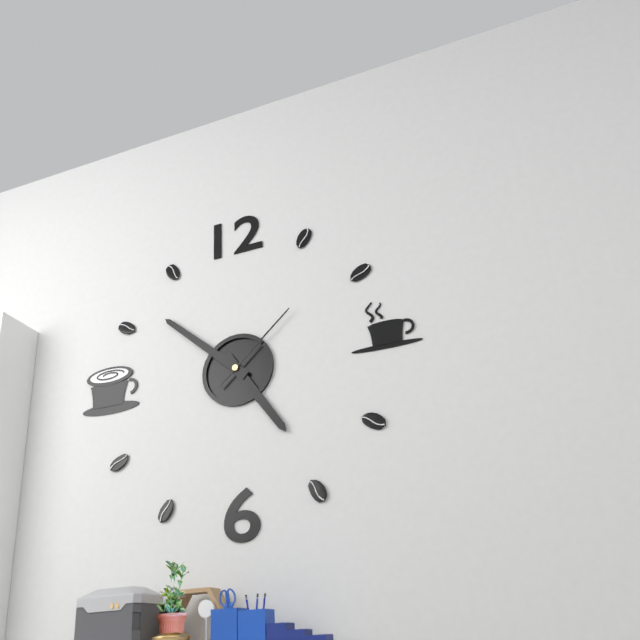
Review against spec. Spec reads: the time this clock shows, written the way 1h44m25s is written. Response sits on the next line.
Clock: 4h52m08s
